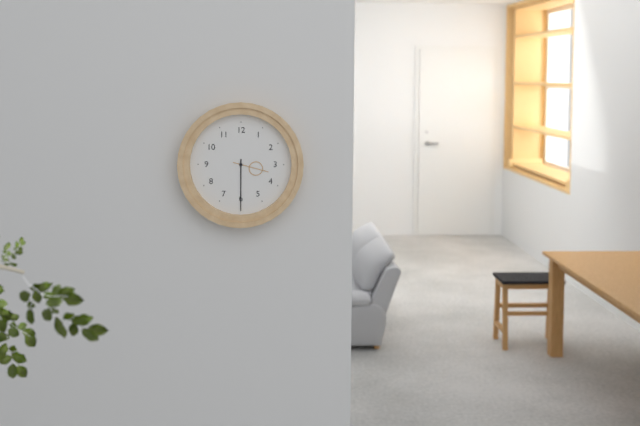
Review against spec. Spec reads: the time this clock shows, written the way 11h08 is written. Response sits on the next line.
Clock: 3h30
